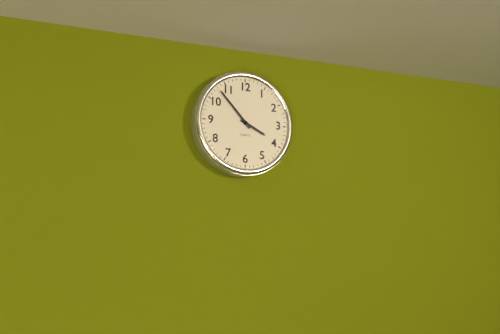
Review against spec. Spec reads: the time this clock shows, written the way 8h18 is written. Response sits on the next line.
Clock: 3h53
